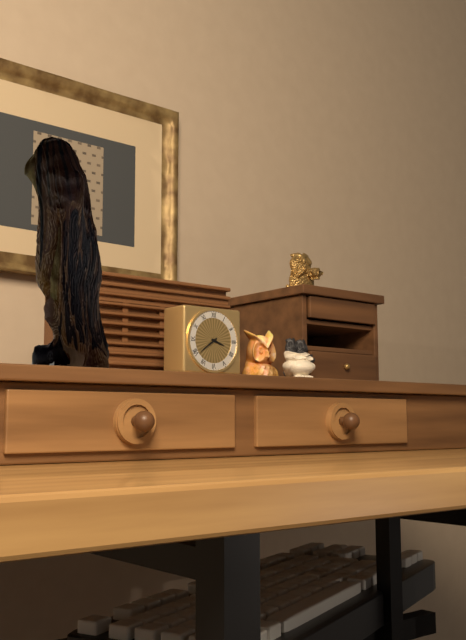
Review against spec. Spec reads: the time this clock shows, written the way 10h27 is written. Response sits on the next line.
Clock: 3h39
